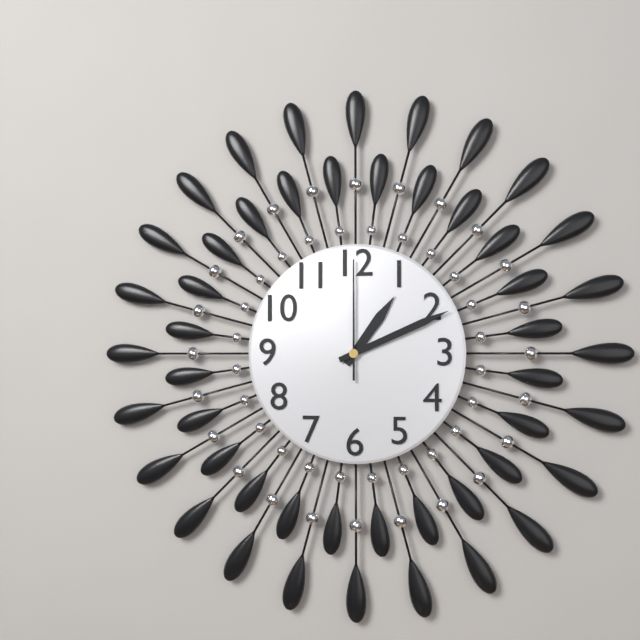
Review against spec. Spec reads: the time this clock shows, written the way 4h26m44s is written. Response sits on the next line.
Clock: 1h11m00s
